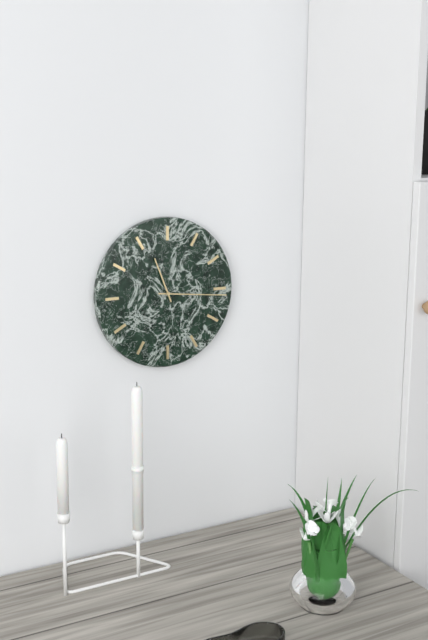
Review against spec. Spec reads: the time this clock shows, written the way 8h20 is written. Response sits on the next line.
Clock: 11h16
